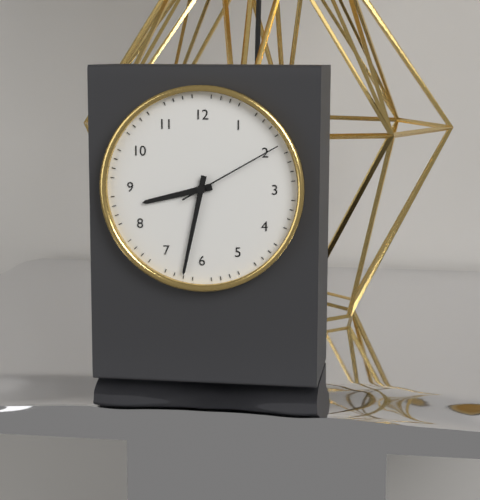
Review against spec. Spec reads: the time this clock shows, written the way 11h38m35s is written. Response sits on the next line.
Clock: 8h32m10s
